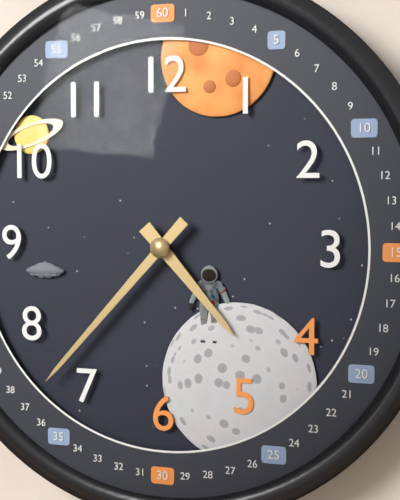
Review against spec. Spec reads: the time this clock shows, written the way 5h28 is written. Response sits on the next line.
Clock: 4h37
